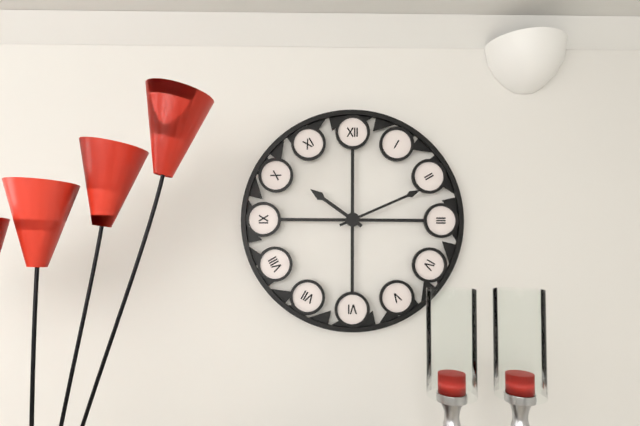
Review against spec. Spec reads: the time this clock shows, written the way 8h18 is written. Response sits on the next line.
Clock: 10h11
